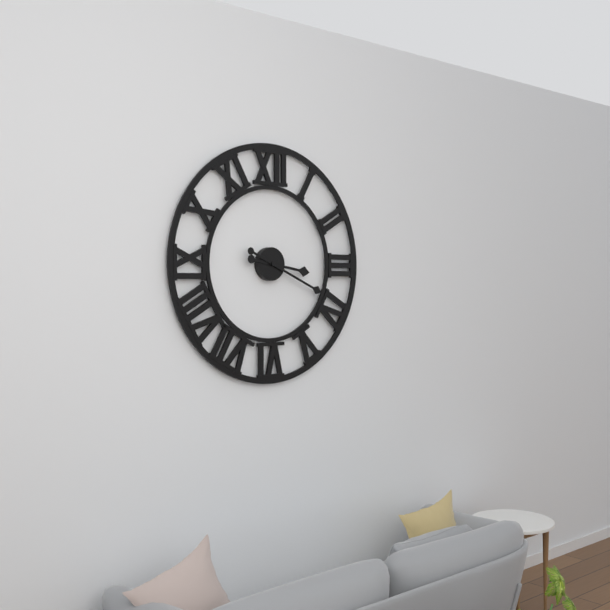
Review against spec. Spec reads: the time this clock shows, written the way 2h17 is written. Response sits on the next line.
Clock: 3h19
